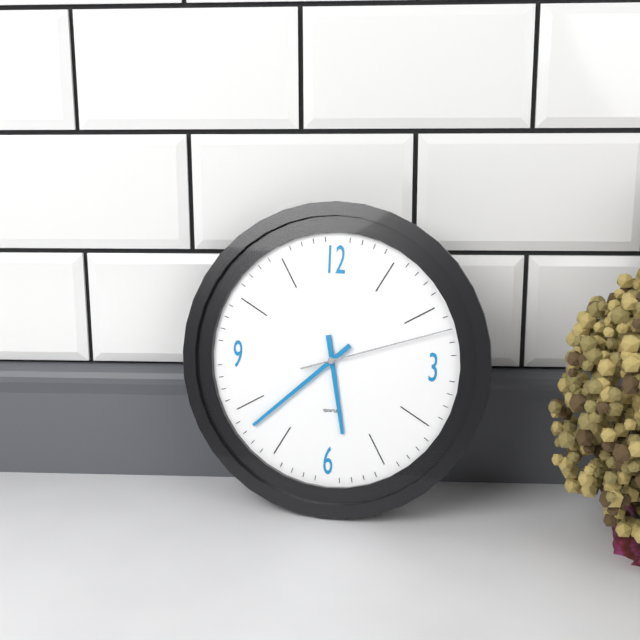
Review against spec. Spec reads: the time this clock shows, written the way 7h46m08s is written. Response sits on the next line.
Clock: 5h38m12s
